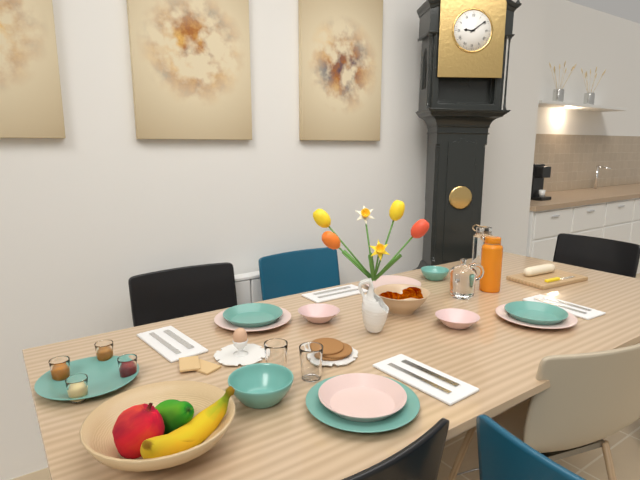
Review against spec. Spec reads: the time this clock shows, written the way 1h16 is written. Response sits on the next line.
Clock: 9h09
